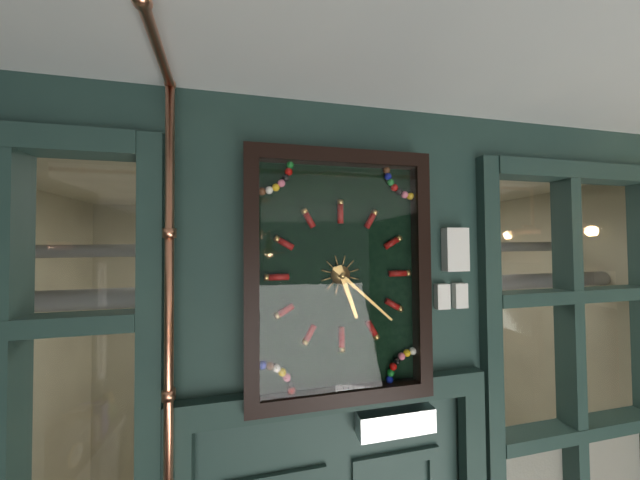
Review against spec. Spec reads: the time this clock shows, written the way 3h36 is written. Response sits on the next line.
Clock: 5h22
